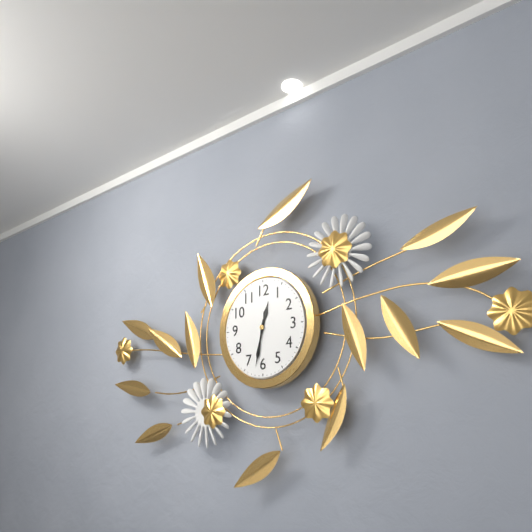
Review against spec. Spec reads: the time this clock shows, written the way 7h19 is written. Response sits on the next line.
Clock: 12h32
